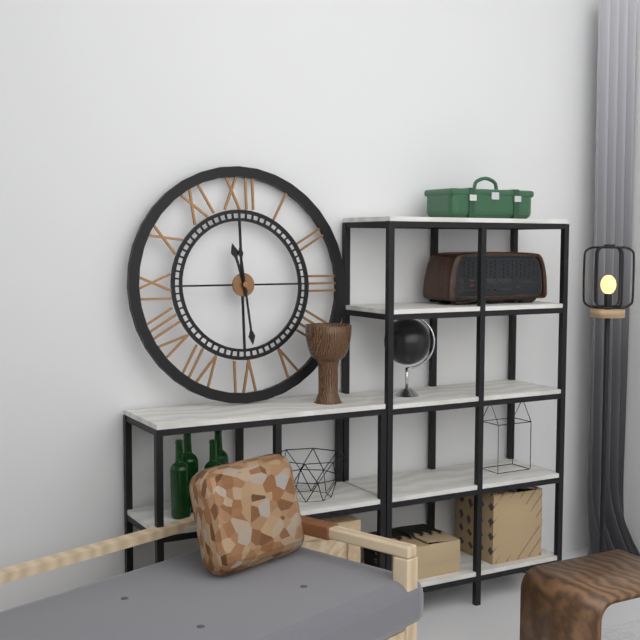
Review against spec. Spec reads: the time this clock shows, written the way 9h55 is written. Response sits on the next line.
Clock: 11h29
